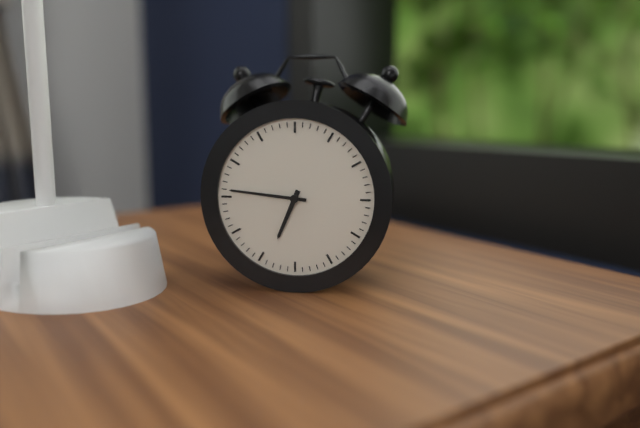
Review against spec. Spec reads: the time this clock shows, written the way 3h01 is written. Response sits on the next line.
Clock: 6h46
